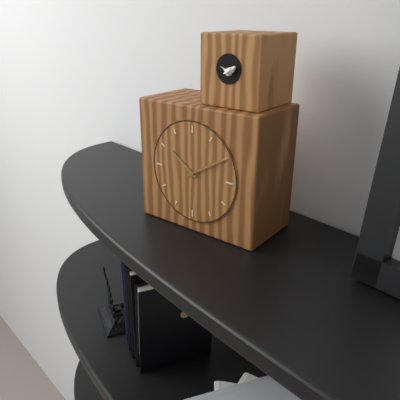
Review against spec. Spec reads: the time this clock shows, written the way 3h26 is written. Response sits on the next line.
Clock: 10h10
